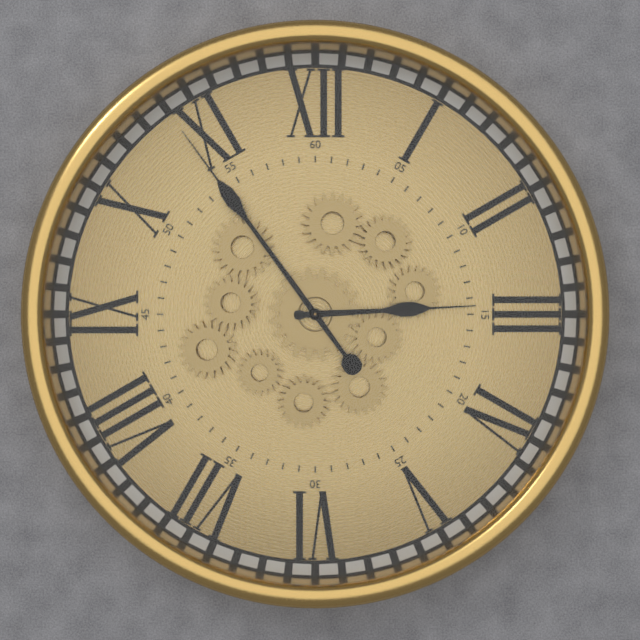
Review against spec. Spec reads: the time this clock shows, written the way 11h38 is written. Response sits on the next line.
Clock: 2h54
